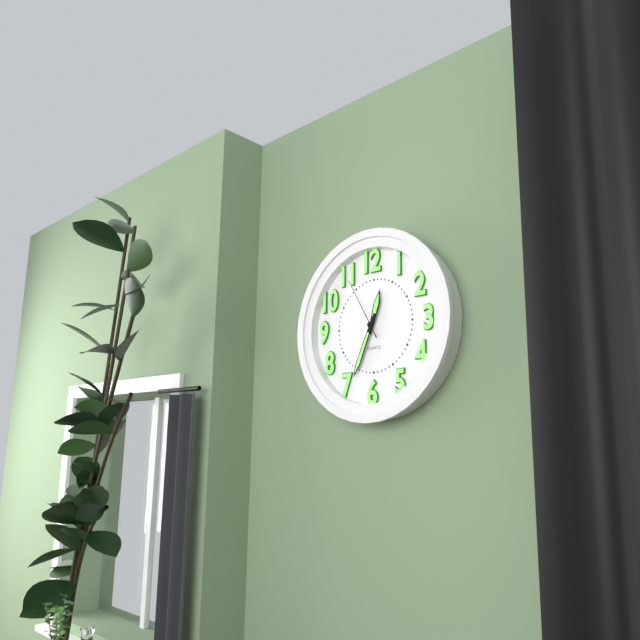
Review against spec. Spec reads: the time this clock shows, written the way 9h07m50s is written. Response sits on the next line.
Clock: 12h34m55s
